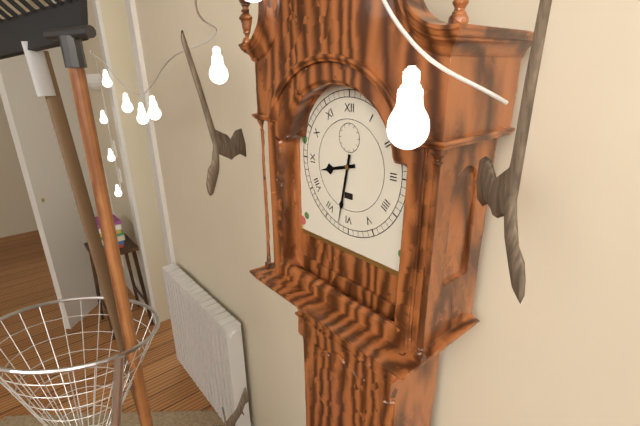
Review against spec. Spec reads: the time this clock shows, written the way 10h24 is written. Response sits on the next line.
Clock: 8h32
